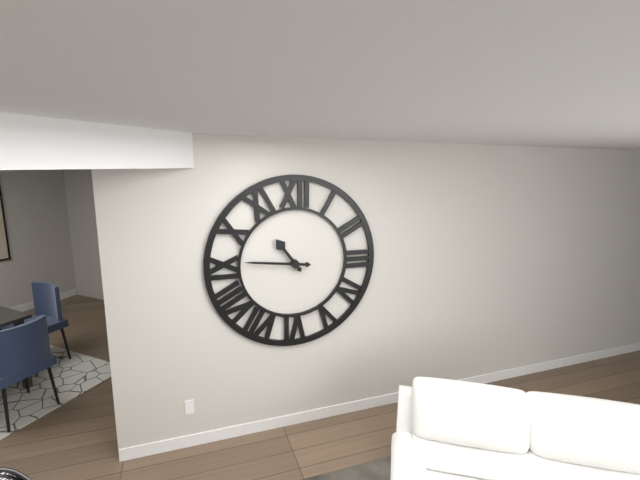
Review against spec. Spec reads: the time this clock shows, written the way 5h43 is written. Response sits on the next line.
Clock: 10h46
